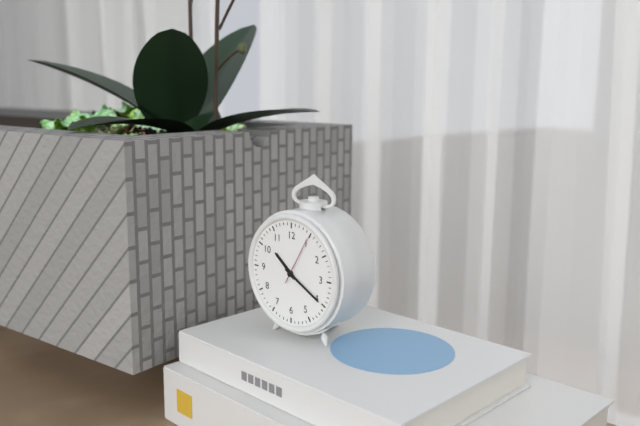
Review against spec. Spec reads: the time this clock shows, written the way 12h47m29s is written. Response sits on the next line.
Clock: 10h20m05s
